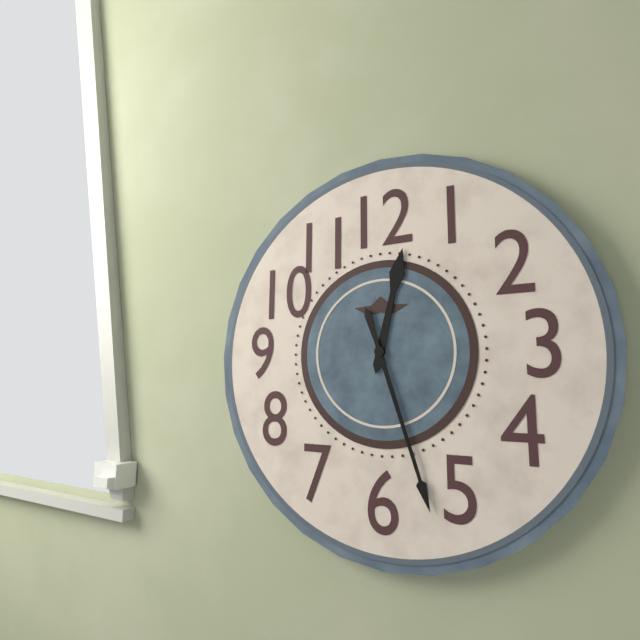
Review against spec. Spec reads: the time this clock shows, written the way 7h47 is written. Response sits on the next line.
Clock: 12h27
